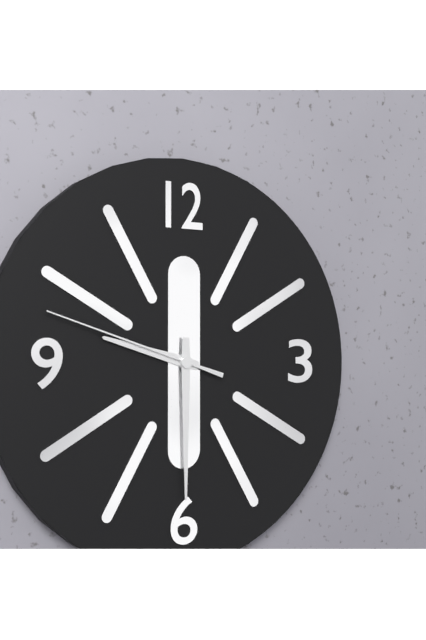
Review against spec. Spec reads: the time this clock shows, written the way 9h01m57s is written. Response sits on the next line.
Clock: 9h30m48s
